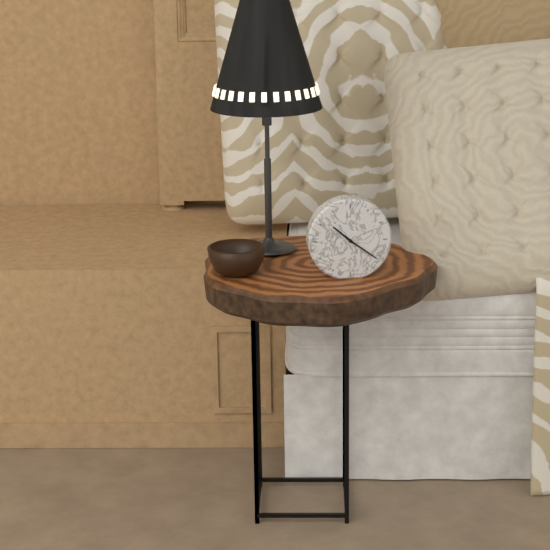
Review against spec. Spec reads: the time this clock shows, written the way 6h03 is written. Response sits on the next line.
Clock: 10h21
